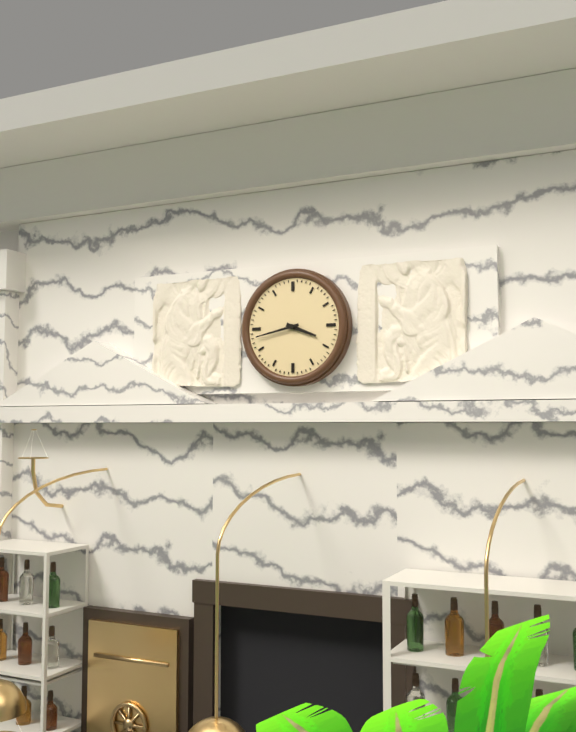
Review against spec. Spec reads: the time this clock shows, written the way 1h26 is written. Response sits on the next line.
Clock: 3h43
